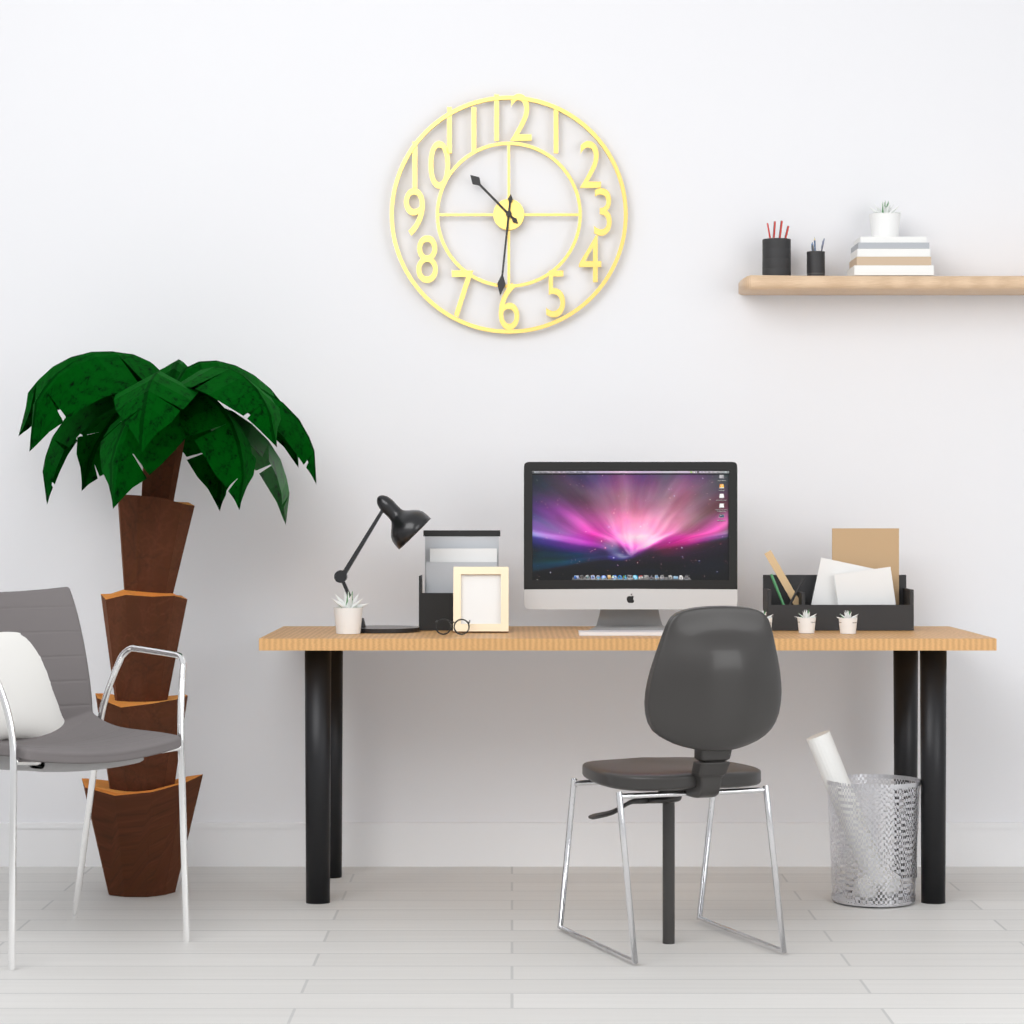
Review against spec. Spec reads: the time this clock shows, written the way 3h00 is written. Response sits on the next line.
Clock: 10h31
